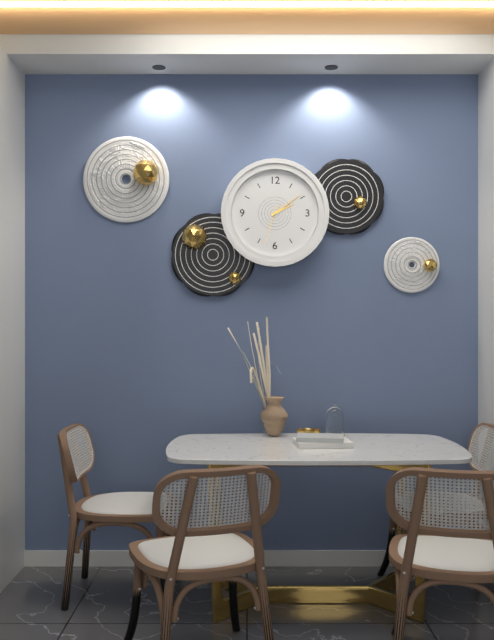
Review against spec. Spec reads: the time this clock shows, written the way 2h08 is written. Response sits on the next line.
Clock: 2h09
